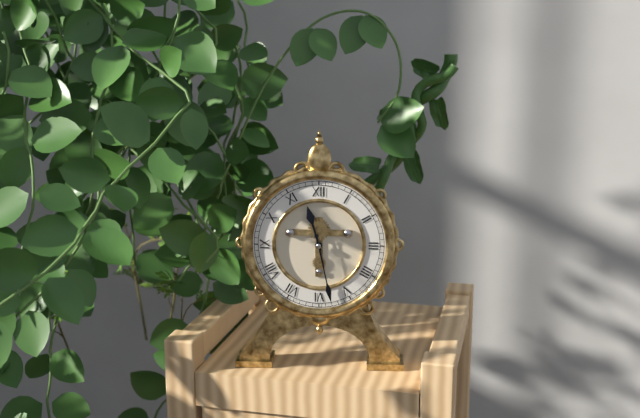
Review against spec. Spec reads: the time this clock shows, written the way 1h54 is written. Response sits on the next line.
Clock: 11h28
